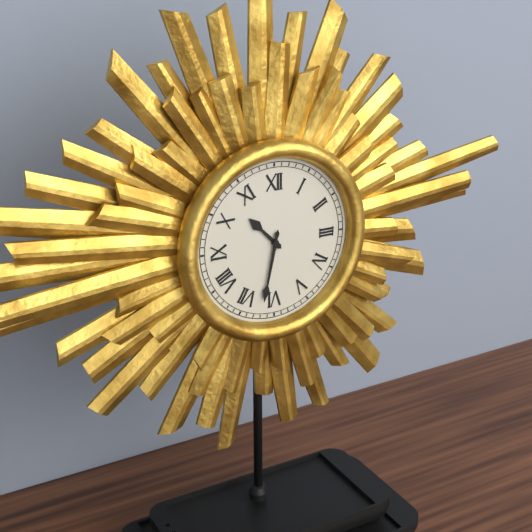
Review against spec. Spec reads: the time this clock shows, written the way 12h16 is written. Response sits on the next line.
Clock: 10h32
